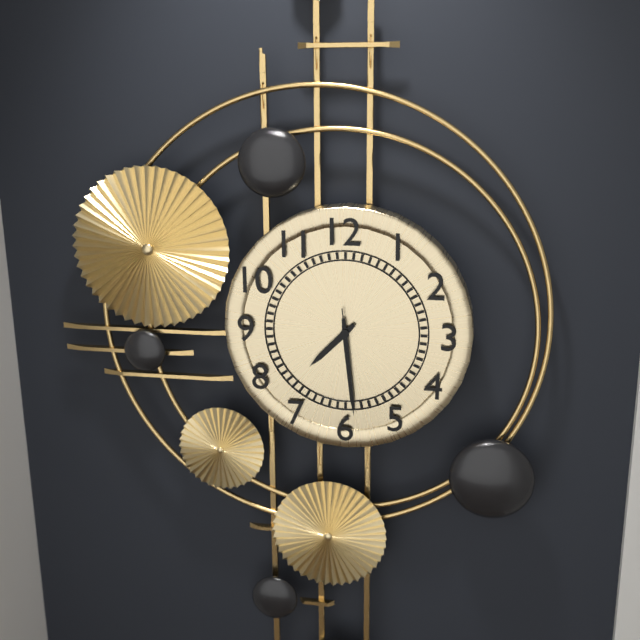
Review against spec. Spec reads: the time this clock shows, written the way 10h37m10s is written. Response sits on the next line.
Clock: 7h29m29s
